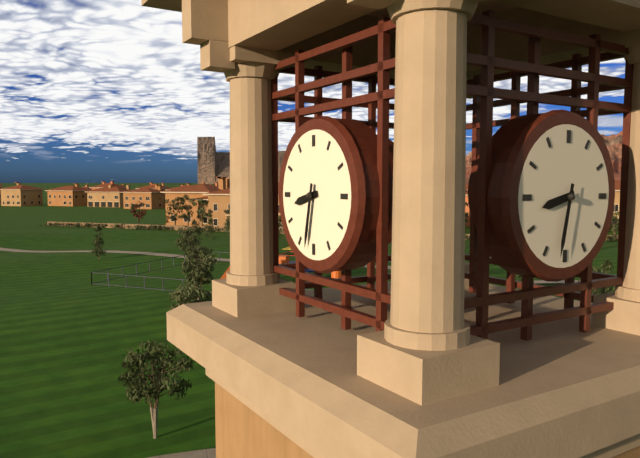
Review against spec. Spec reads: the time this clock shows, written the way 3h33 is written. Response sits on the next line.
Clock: 8h32
